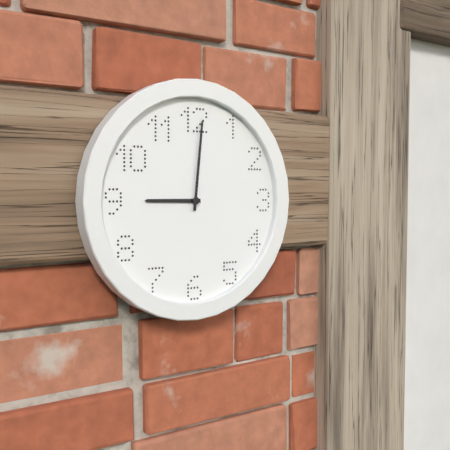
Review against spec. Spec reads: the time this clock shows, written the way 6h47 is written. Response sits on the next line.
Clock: 9h01
